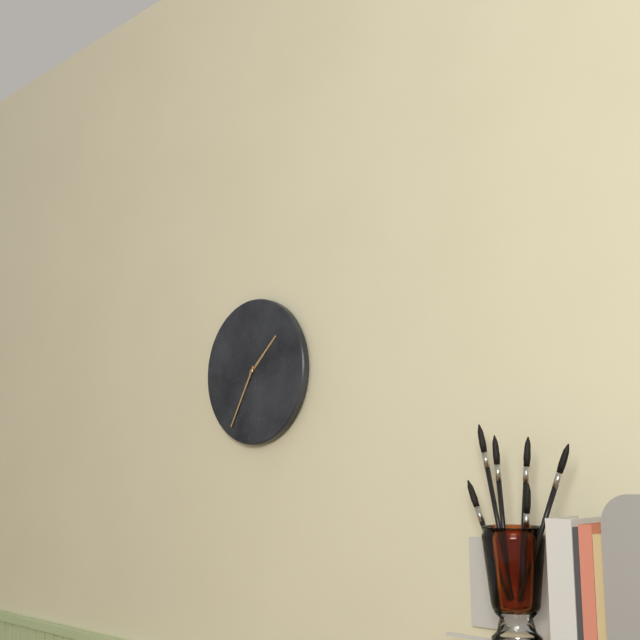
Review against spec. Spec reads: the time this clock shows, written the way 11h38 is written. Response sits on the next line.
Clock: 1h35
